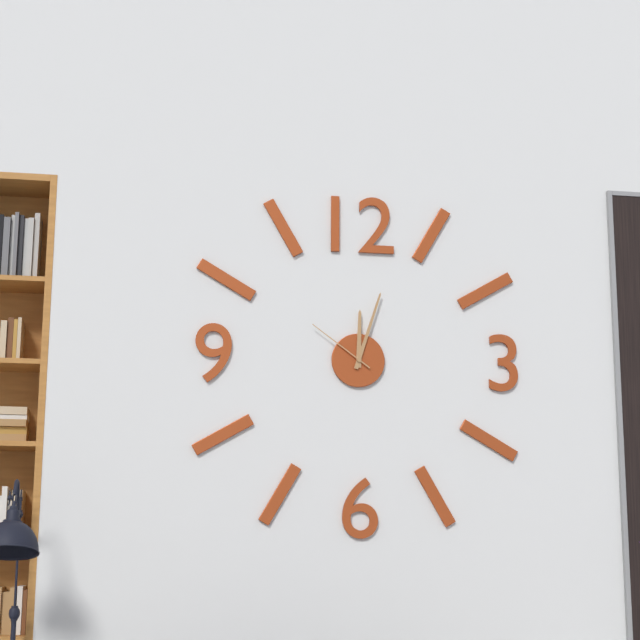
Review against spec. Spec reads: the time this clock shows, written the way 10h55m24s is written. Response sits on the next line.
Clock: 12h03m51s
